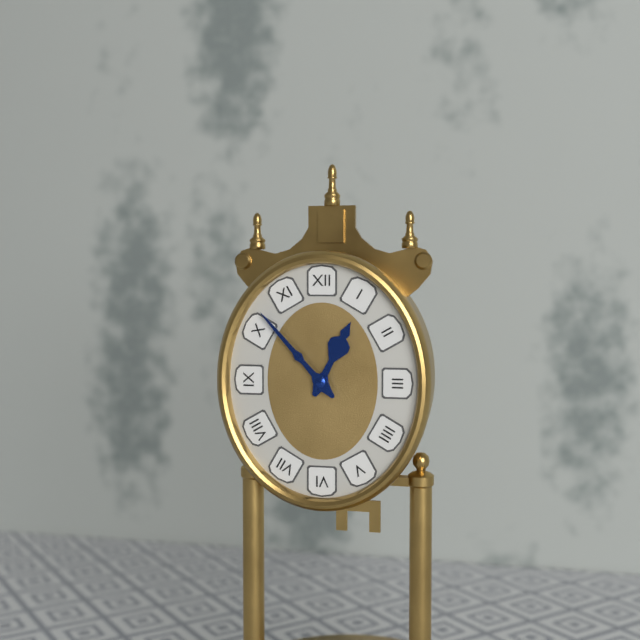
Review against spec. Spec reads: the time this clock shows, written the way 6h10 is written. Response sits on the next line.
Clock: 12h53
